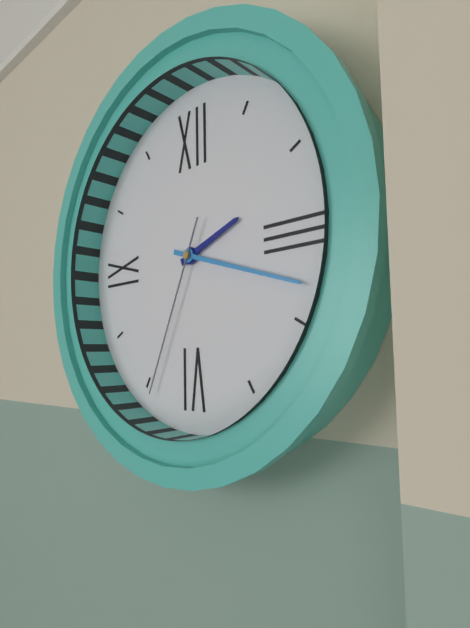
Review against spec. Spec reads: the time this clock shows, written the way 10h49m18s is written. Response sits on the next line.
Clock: 2h18m34s
